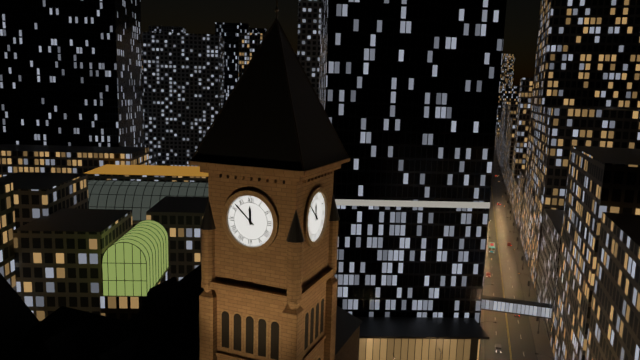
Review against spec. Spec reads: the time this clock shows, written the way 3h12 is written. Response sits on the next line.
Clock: 11h52
